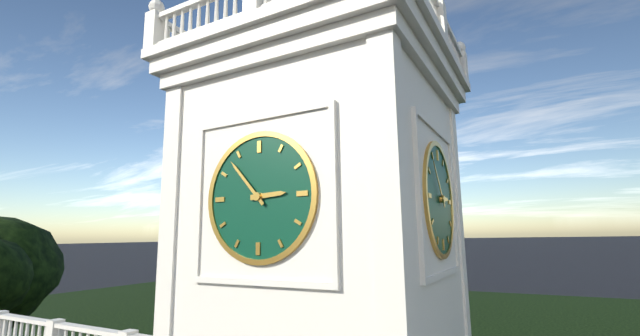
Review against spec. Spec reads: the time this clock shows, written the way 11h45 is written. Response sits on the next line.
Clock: 2h53
